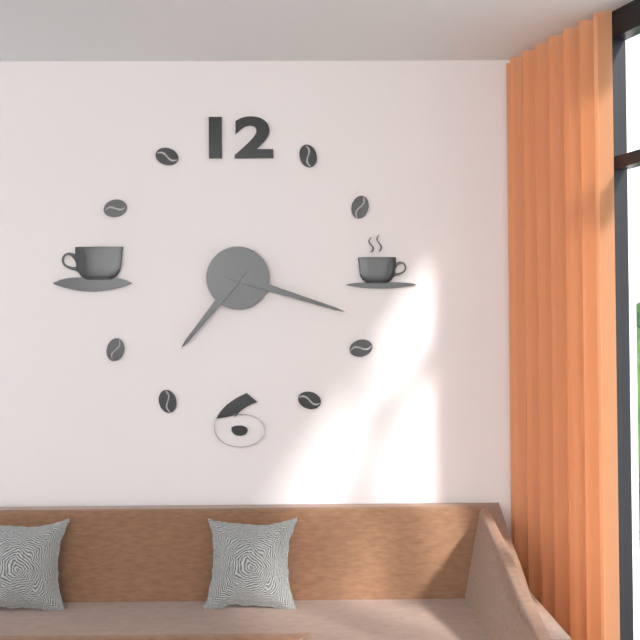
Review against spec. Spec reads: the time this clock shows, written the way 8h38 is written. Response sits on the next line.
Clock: 7h18
